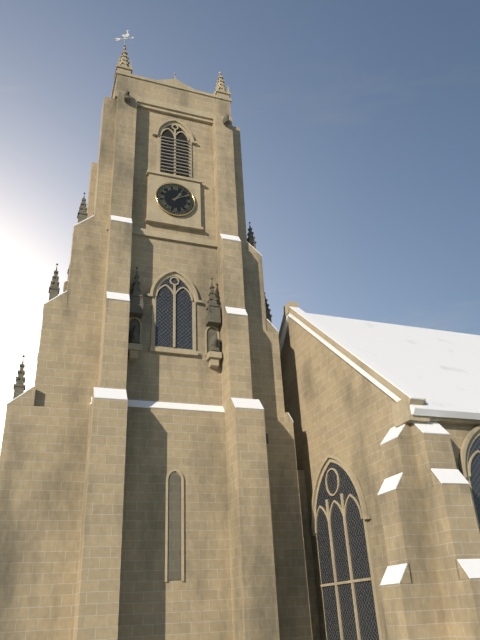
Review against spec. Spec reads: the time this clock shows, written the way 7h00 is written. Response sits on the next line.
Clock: 1h10
